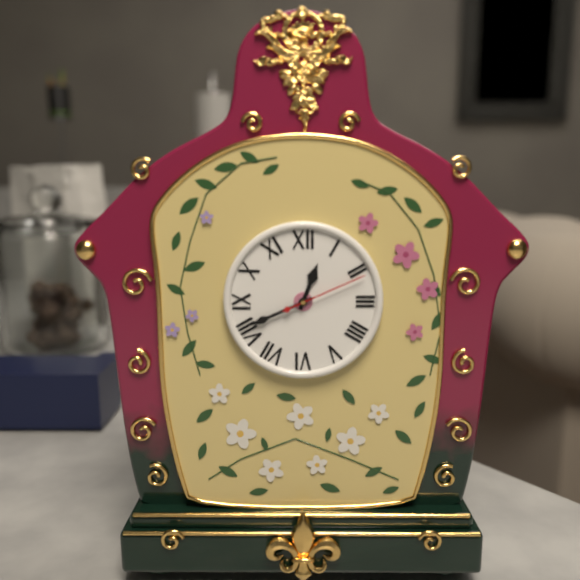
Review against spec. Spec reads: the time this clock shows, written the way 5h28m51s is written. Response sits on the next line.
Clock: 12h41m11s
